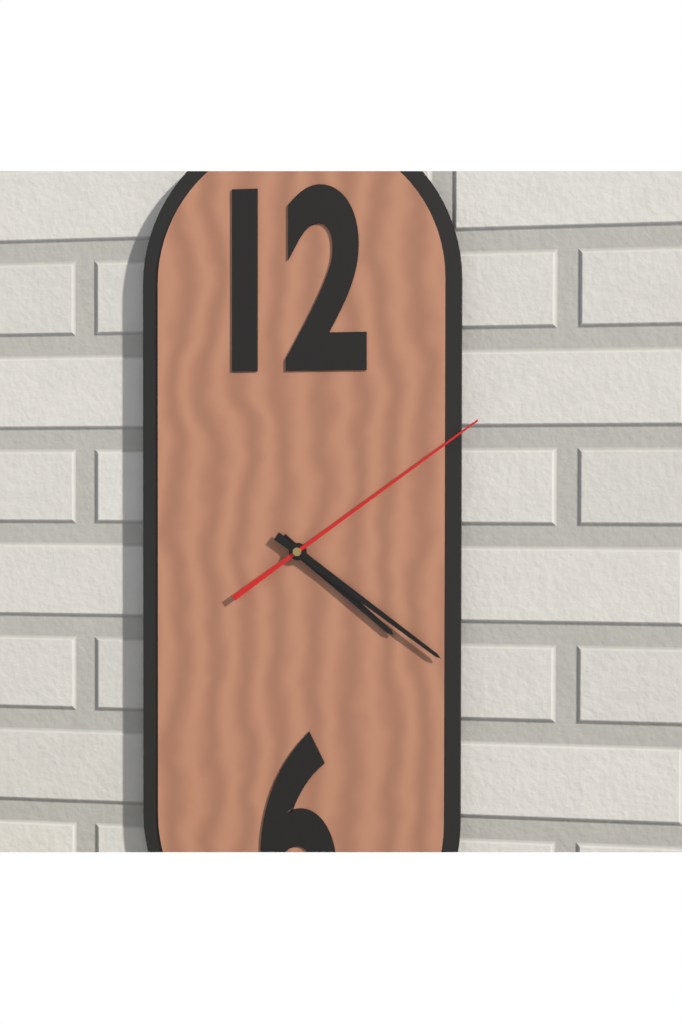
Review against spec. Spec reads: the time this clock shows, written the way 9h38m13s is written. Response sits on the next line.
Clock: 4h21m09s
